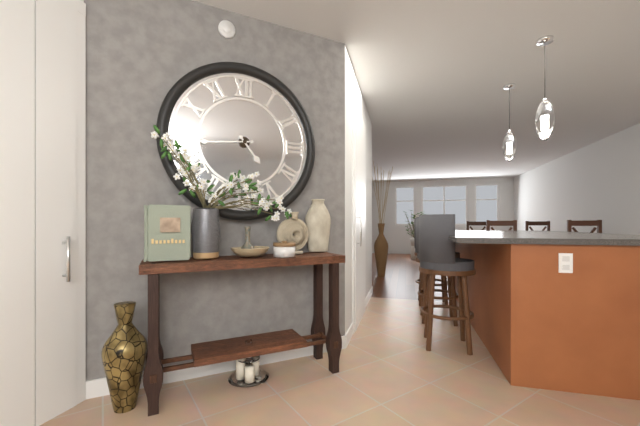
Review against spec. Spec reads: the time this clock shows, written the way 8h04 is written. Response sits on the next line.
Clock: 4h44
